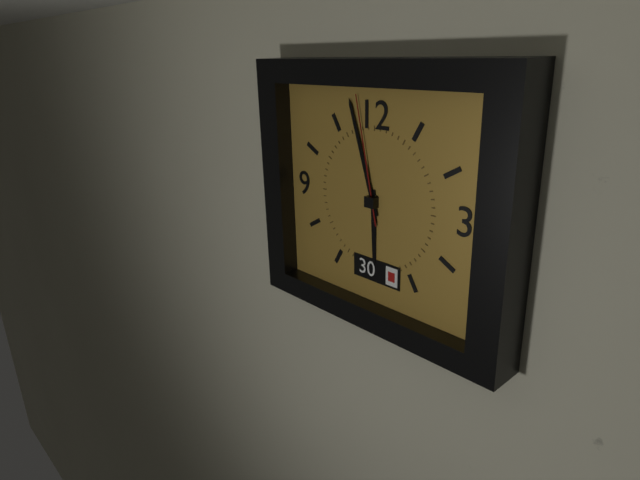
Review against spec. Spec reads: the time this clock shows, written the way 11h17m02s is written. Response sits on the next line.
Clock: 5h57m58s
